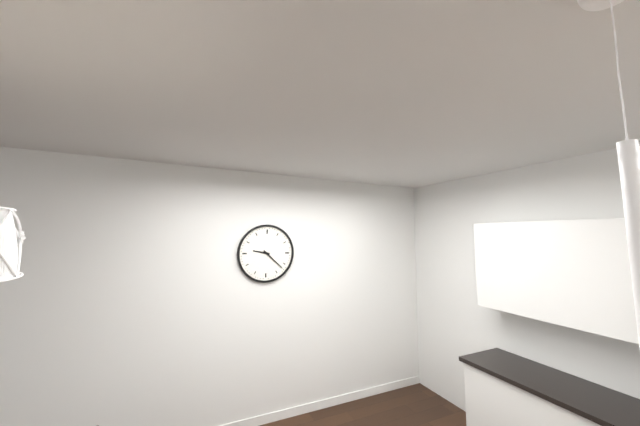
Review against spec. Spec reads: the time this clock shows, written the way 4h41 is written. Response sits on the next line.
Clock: 9h22
